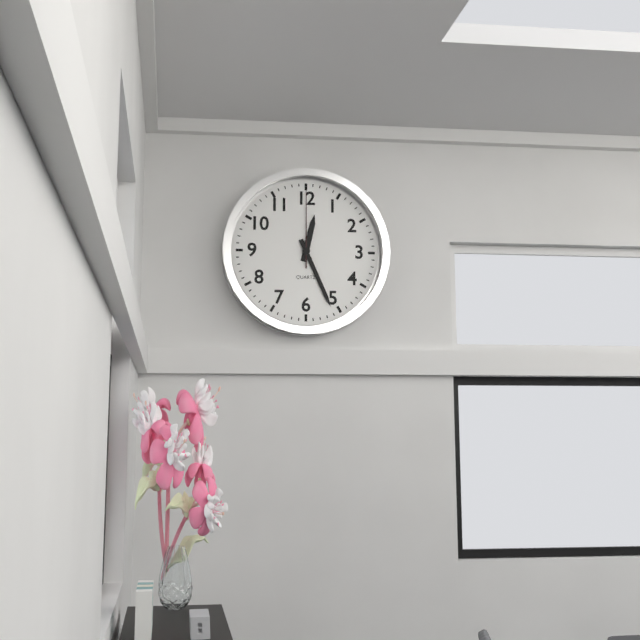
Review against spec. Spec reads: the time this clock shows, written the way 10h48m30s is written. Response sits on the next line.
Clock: 12h26m00s
